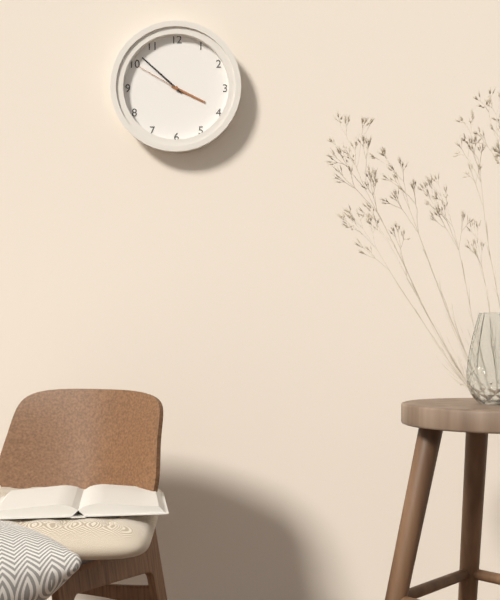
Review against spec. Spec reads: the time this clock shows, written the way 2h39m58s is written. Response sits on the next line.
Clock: 3h52m50s
